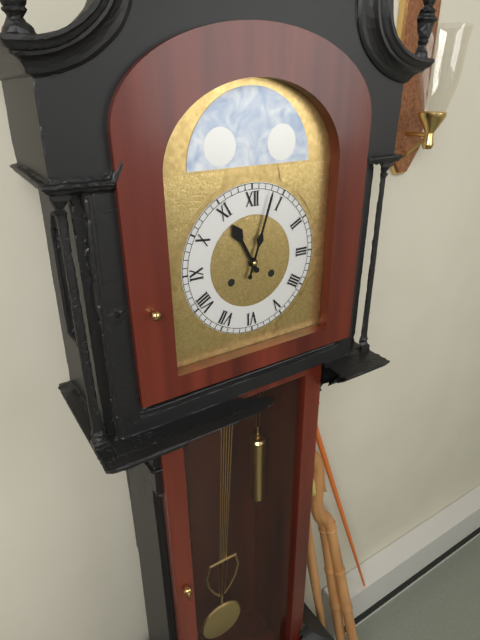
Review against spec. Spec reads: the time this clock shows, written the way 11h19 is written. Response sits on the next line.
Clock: 11h03
